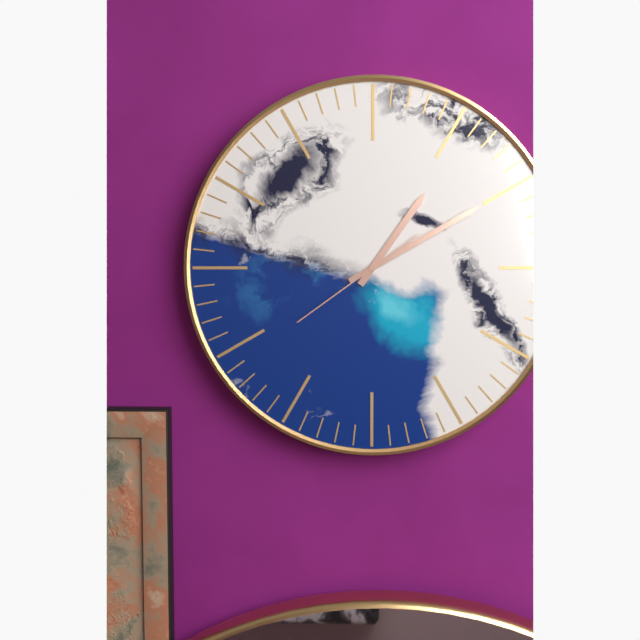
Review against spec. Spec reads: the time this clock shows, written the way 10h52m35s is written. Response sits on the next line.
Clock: 1h10m39s
